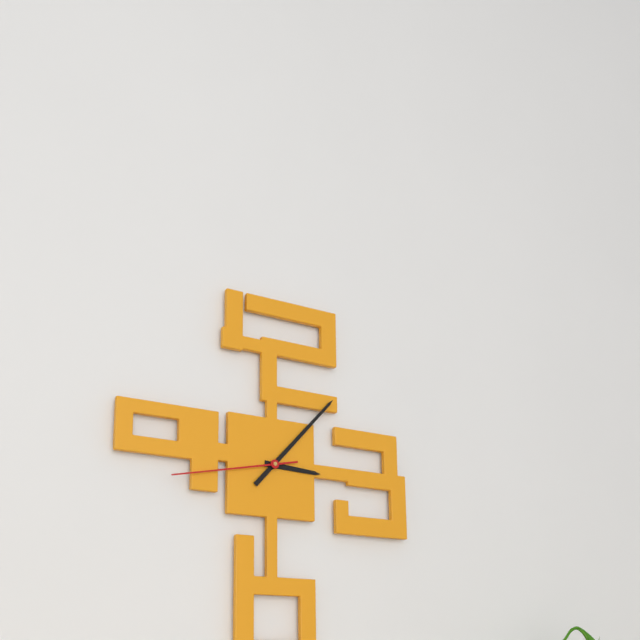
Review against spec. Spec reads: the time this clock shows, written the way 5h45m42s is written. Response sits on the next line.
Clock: 3h07m43s
